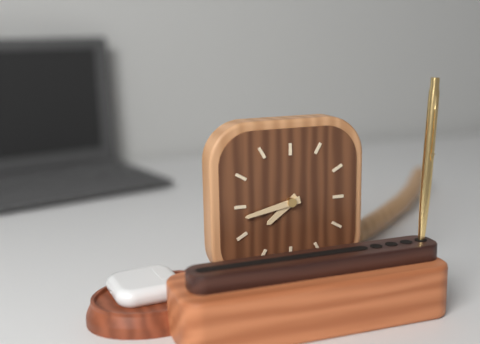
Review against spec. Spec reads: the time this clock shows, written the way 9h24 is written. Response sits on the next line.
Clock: 7h43
